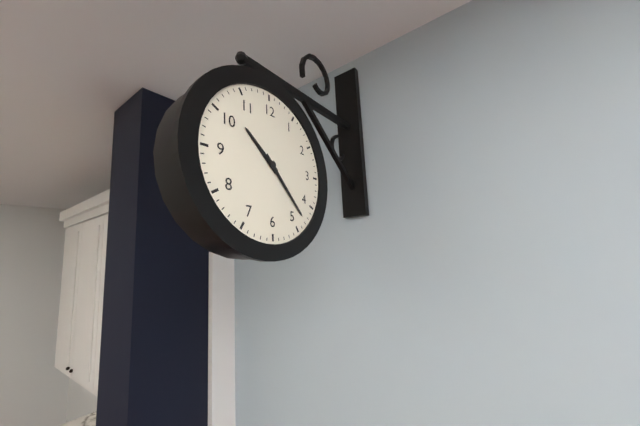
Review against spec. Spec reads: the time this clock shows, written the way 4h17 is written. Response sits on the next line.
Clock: 10h23
